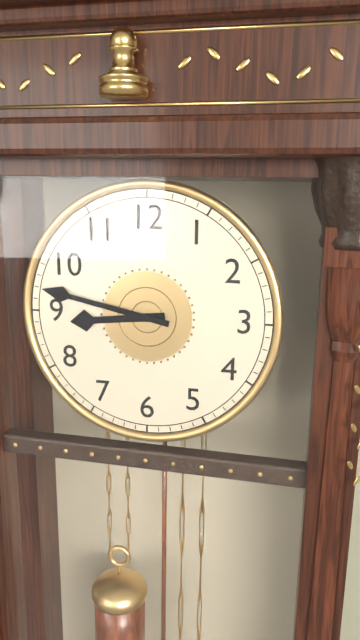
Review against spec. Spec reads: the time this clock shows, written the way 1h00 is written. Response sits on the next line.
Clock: 8h47
